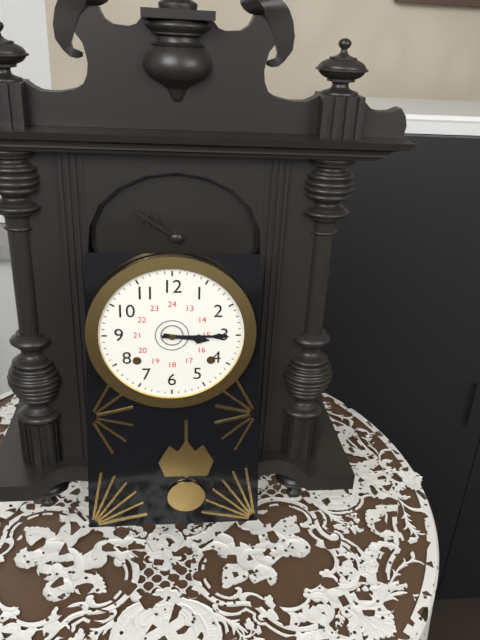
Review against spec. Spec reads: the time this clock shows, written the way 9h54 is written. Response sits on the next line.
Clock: 3h15
